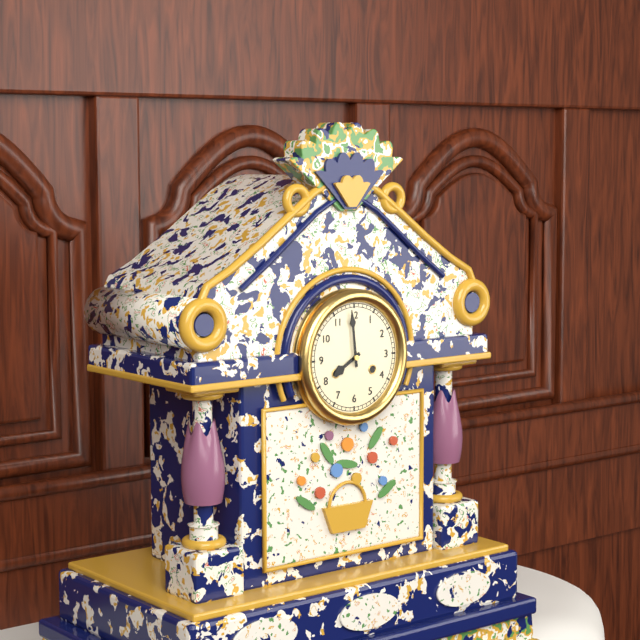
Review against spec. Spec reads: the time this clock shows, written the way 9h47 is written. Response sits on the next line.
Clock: 7h59
